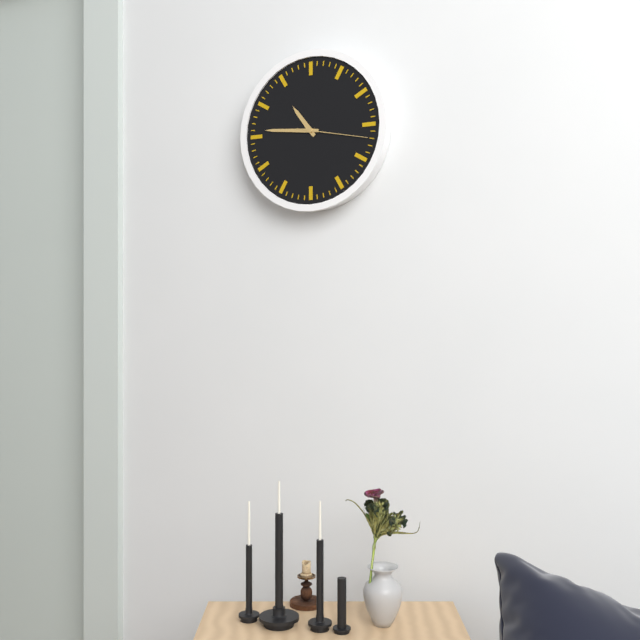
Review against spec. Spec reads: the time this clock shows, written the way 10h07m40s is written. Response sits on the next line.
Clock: 10h46m17s
